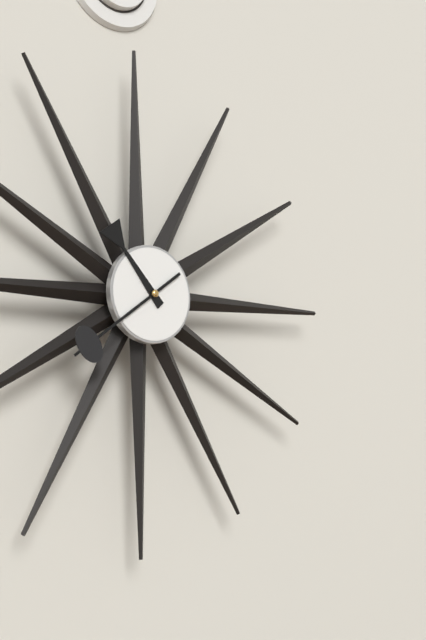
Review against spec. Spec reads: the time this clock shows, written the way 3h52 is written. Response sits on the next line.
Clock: 10h39
